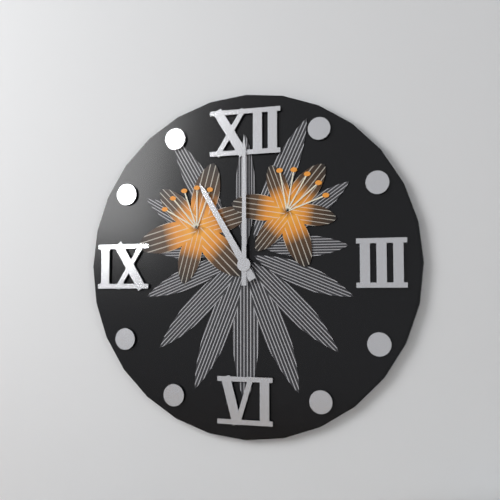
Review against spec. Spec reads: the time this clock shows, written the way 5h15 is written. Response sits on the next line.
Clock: 11h00
